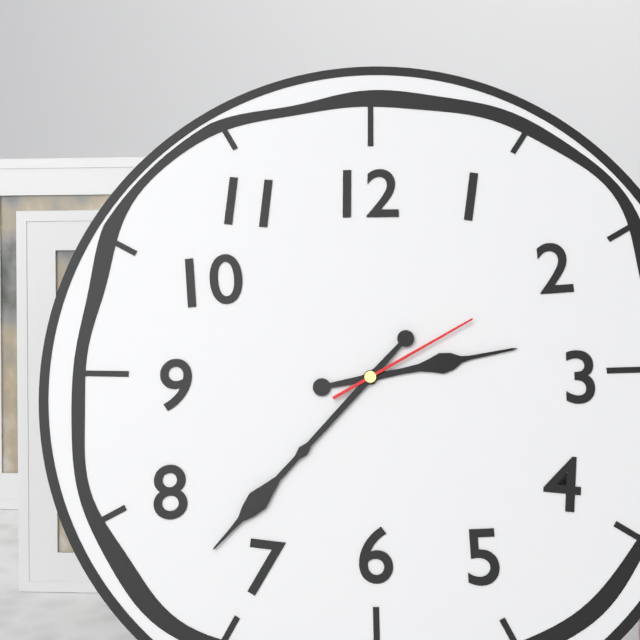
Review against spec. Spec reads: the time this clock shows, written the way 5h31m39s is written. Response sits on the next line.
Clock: 2h37m10s
